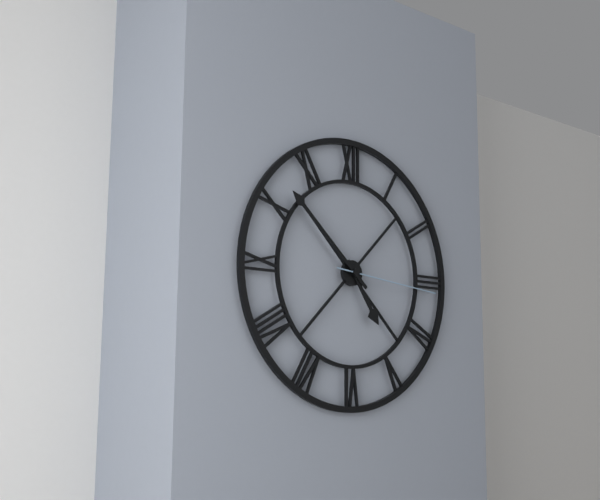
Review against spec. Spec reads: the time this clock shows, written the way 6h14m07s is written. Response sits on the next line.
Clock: 4h52m16s
